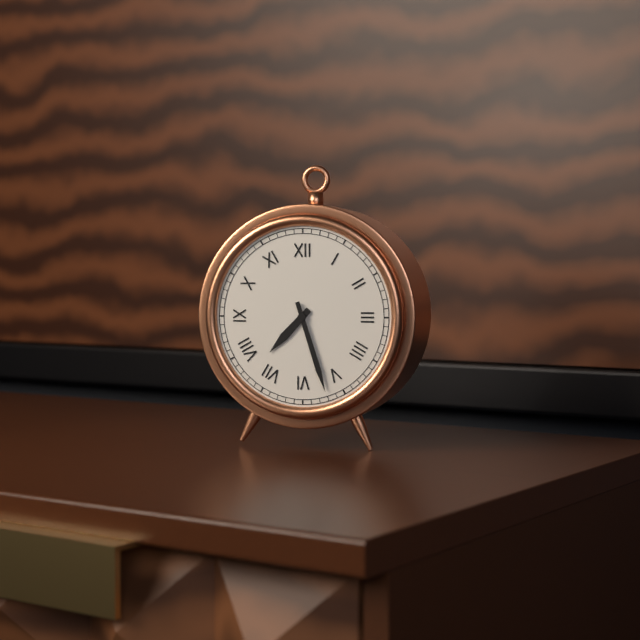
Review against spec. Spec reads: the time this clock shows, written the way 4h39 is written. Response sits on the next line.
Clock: 7h27
